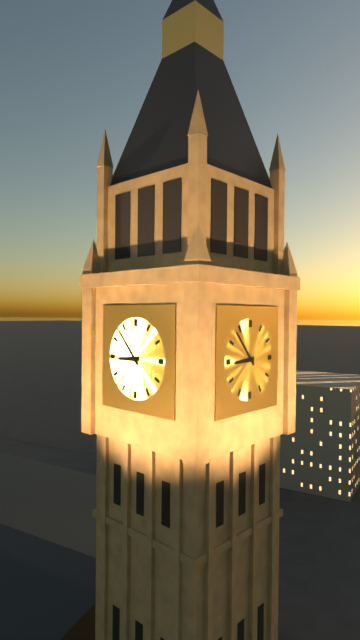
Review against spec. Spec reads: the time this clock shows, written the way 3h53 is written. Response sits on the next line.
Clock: 8h53
